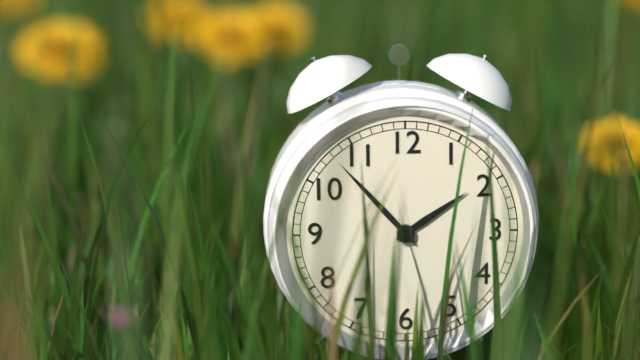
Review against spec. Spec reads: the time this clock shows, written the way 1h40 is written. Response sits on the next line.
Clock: 1h53
